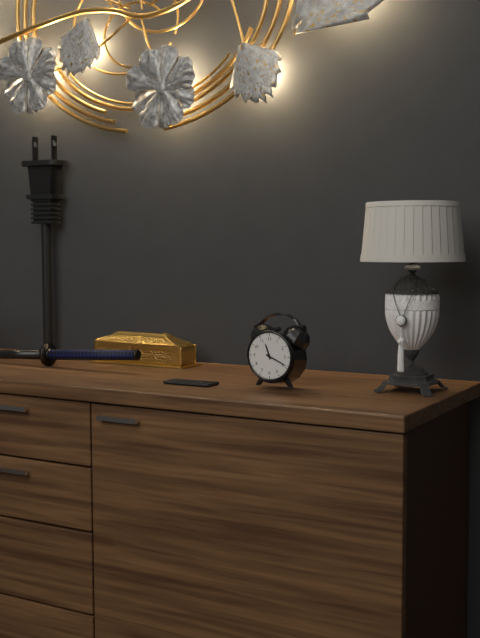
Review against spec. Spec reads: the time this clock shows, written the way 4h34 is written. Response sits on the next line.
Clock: 11h19
